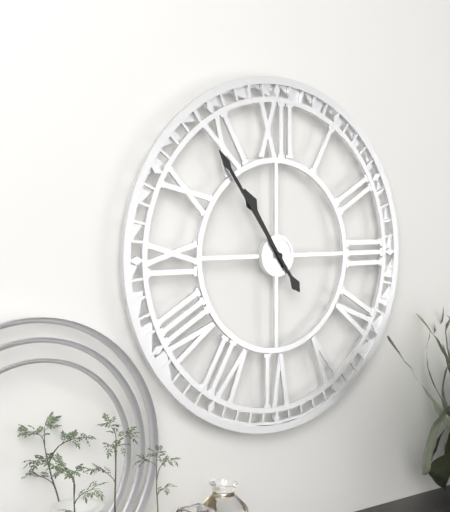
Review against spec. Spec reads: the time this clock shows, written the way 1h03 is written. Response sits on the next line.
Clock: 10h54
